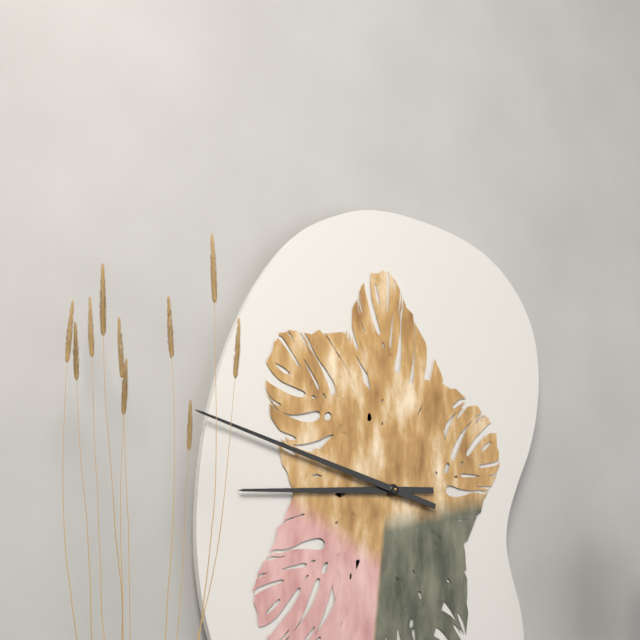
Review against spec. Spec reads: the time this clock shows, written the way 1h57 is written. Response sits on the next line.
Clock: 8h47
